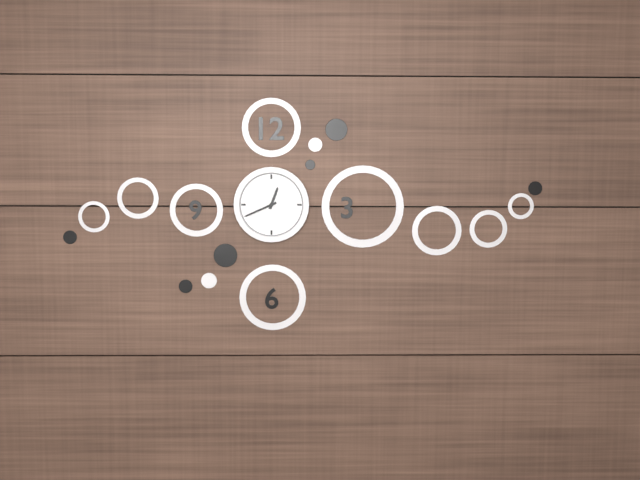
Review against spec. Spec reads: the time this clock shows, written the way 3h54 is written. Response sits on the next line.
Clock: 12h41
